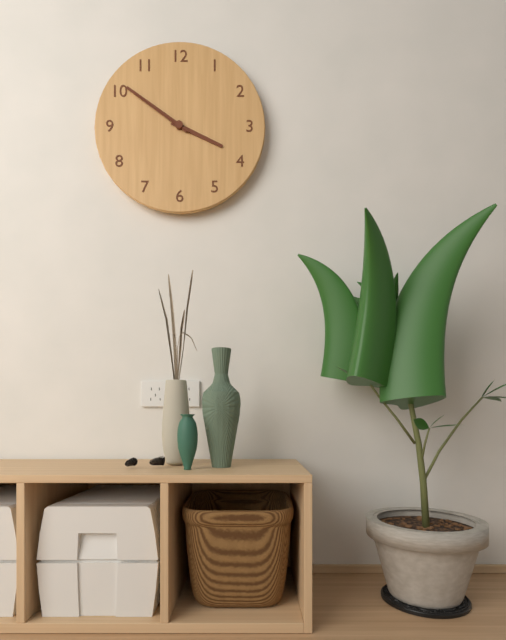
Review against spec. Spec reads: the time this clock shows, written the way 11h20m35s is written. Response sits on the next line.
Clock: 3h51m51s
